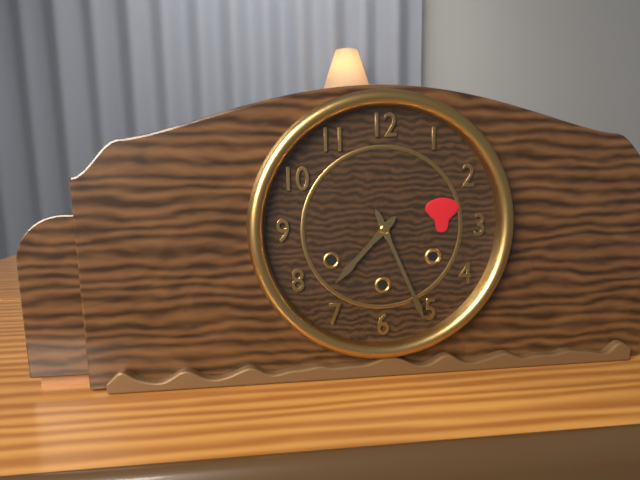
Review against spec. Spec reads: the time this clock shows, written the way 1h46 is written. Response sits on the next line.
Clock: 7h26
